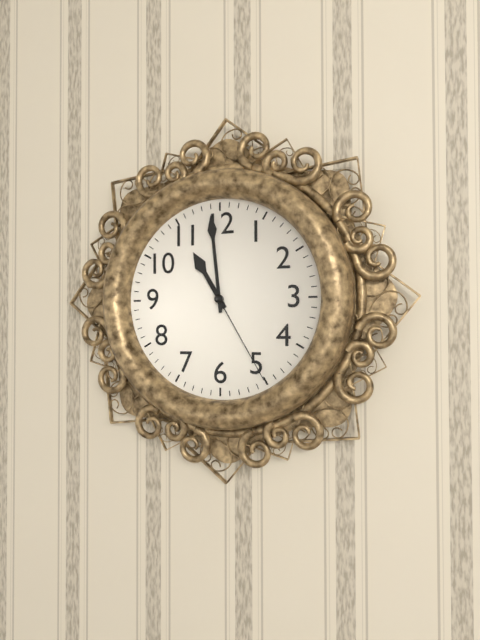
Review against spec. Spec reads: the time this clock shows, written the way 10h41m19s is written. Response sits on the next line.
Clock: 10h59m25s
